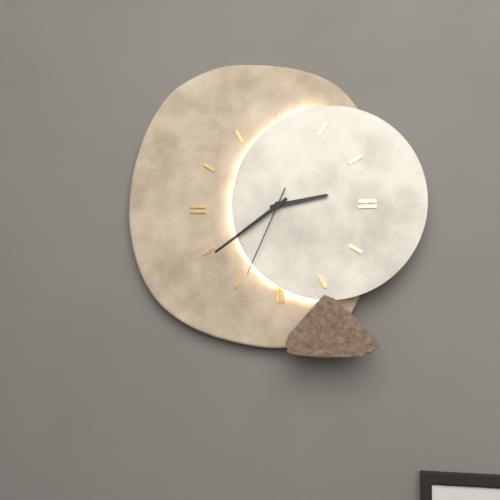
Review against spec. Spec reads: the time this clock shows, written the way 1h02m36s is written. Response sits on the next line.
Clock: 2h39m34s
